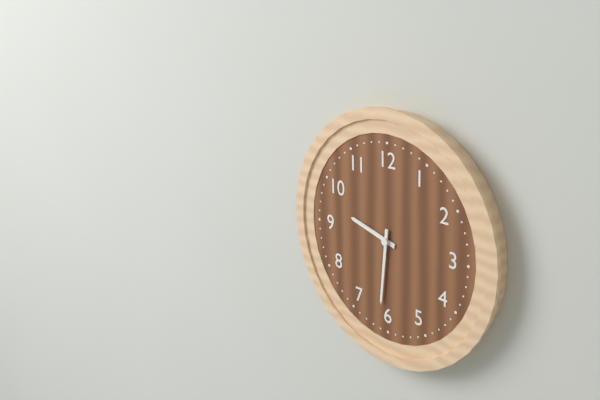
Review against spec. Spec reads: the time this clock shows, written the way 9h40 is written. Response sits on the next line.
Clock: 9h31
